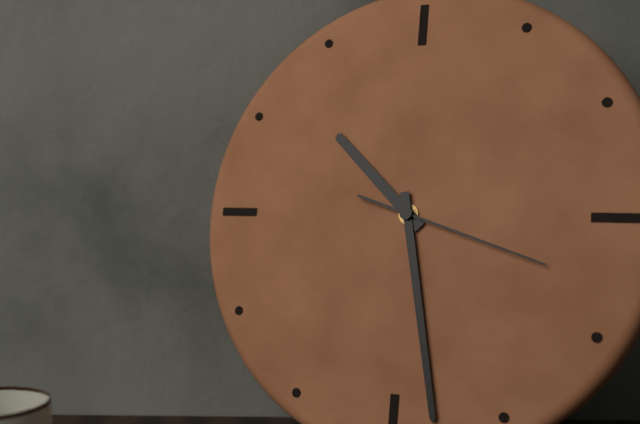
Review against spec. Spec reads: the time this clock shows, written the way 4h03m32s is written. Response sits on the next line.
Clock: 10h28m18s
